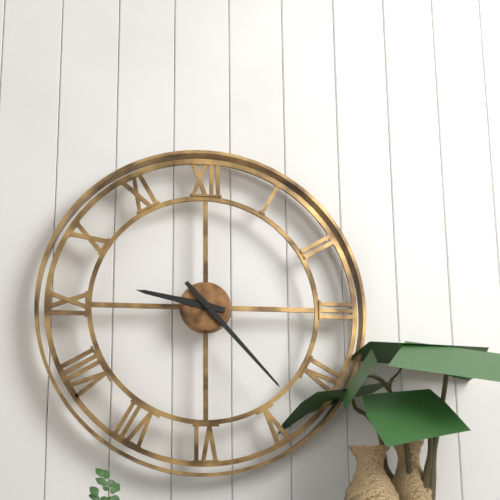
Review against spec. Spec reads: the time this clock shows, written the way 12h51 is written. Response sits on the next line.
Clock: 9h23
